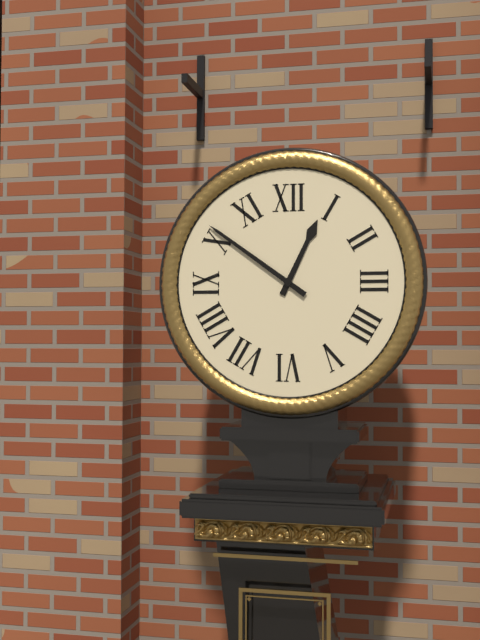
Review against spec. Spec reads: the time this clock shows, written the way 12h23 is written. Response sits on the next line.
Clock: 12h51
